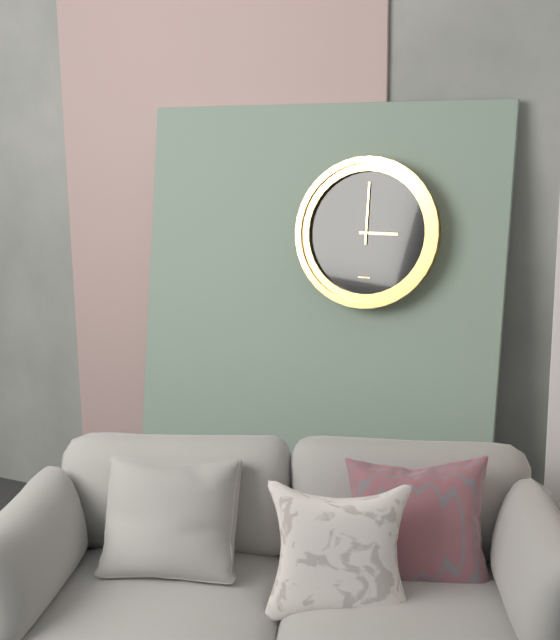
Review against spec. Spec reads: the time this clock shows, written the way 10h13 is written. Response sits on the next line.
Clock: 3h00
